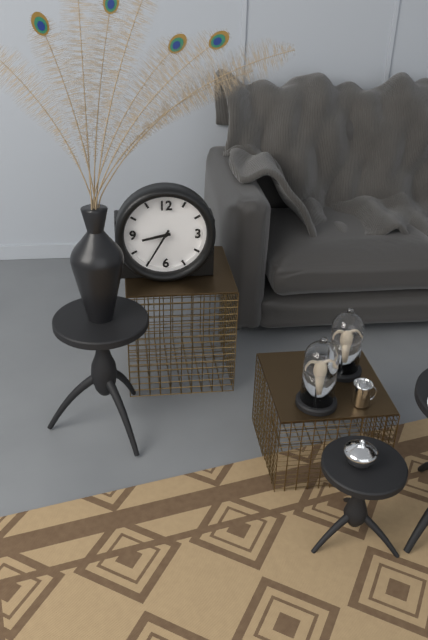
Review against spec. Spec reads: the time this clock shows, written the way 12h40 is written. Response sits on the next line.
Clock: 8h35
